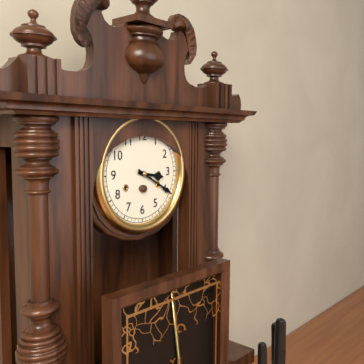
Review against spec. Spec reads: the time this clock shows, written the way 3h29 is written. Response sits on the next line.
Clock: 3h20
